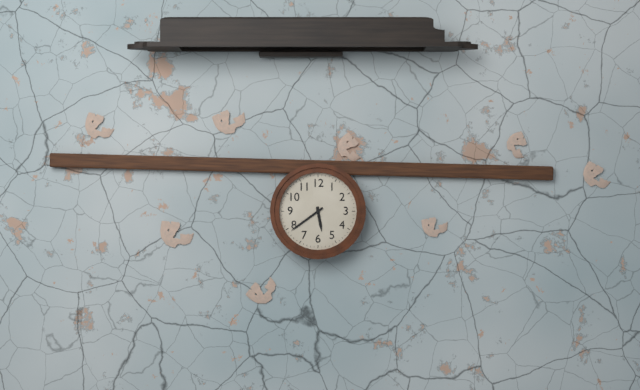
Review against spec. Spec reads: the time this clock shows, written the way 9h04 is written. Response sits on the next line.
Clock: 5h39
